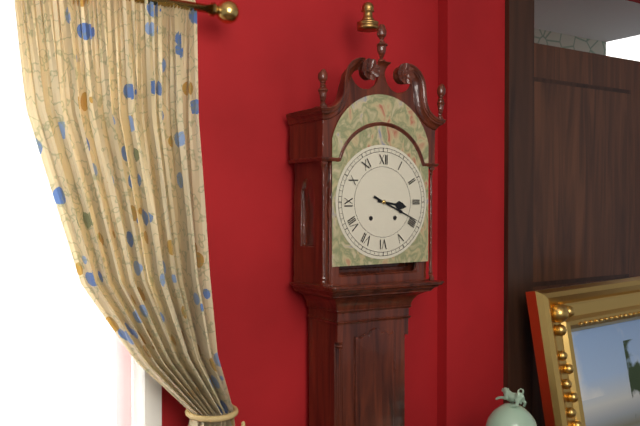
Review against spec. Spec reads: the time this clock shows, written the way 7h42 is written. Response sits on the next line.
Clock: 3h19
